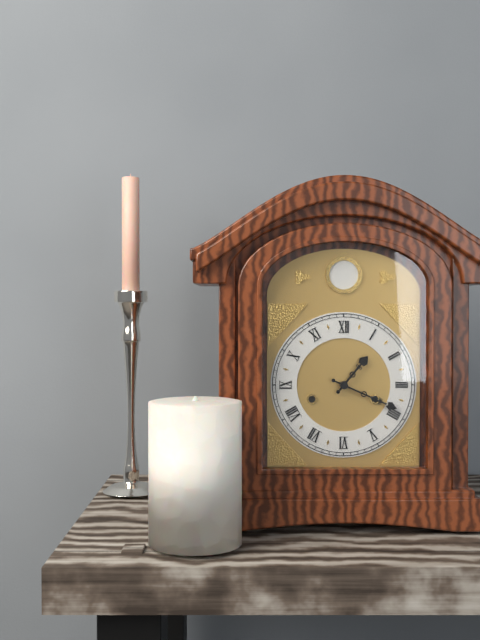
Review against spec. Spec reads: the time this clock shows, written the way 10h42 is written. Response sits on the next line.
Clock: 1h19
